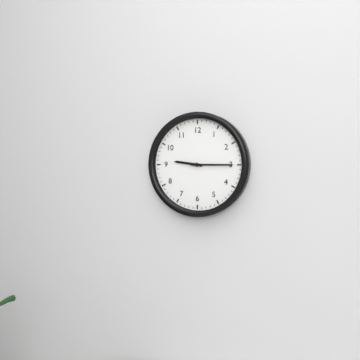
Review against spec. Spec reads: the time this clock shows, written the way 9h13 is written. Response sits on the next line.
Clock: 9h15
